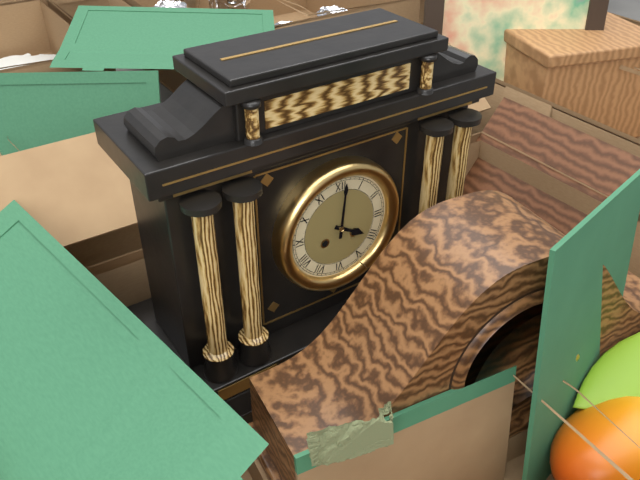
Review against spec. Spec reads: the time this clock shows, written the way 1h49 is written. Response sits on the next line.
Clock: 4h01
